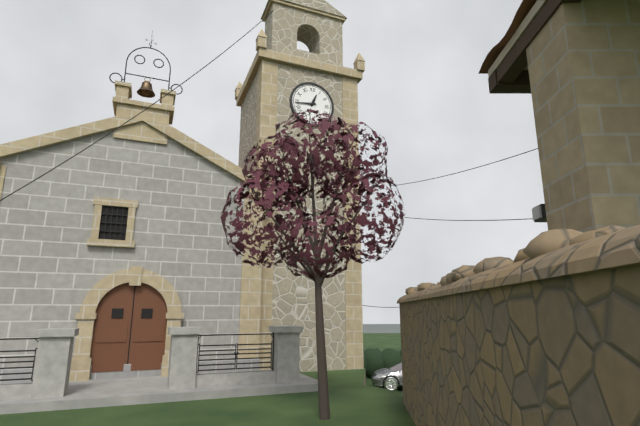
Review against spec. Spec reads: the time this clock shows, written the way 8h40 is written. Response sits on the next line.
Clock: 12h44
